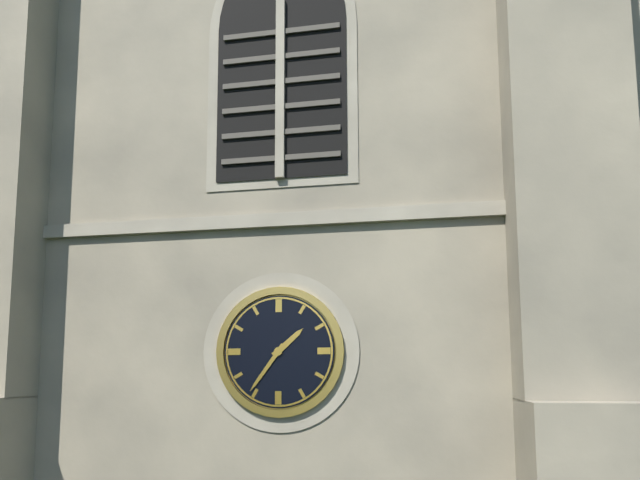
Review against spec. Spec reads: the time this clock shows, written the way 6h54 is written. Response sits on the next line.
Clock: 1h36
